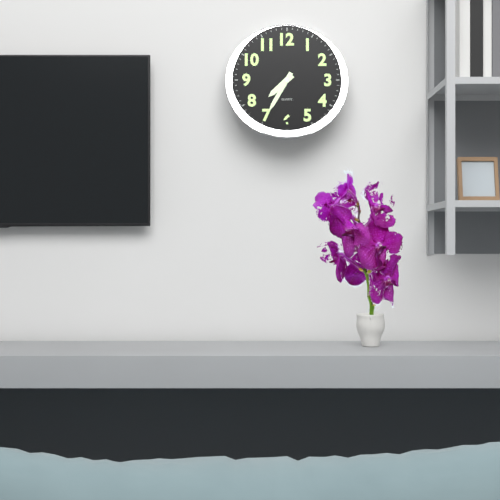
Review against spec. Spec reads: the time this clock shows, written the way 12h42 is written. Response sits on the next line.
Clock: 7h35
